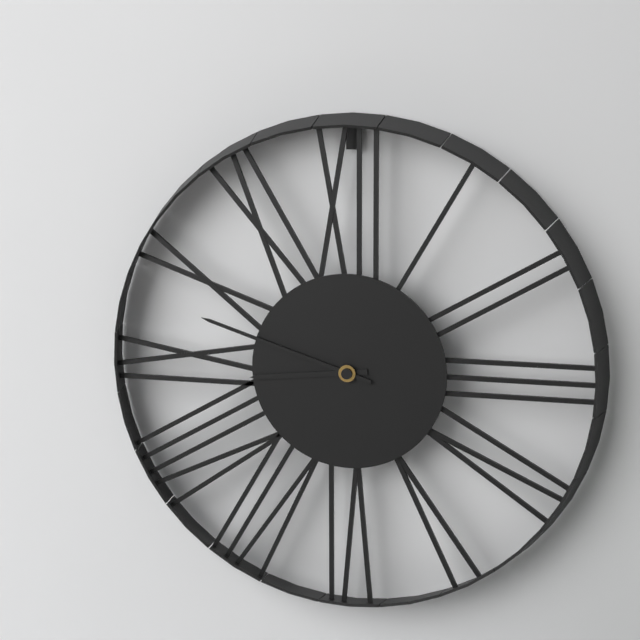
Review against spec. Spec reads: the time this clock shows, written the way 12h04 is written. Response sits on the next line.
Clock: 8h48
